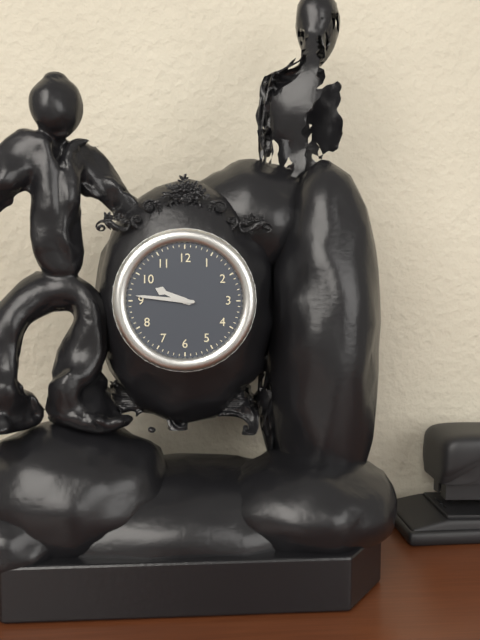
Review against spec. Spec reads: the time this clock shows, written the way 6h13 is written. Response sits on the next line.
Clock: 9h46
